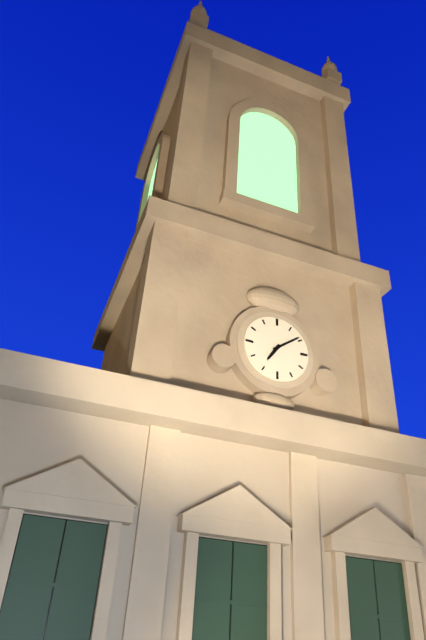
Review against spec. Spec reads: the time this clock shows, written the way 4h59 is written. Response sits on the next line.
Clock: 7h09
